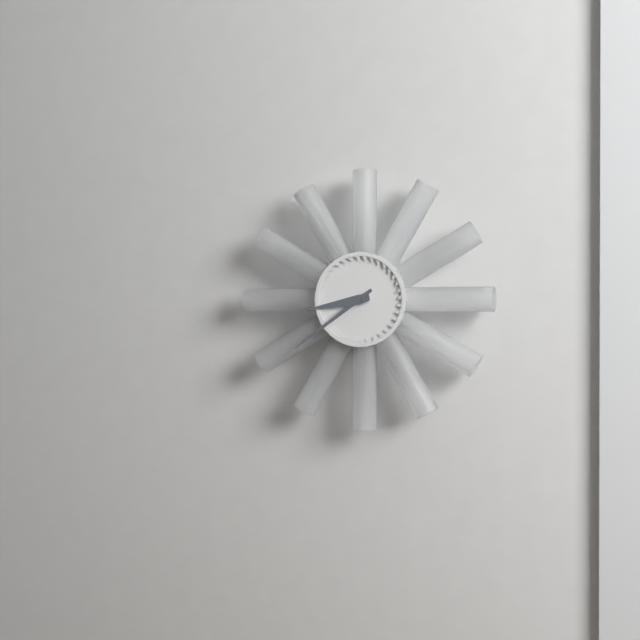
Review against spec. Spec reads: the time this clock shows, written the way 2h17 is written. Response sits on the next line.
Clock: 8h39
